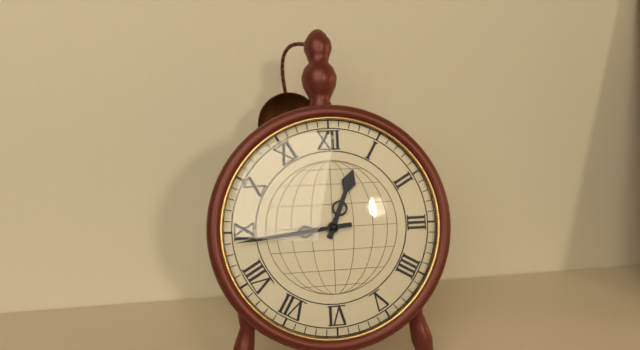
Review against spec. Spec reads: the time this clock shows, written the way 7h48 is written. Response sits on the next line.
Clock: 12h44
